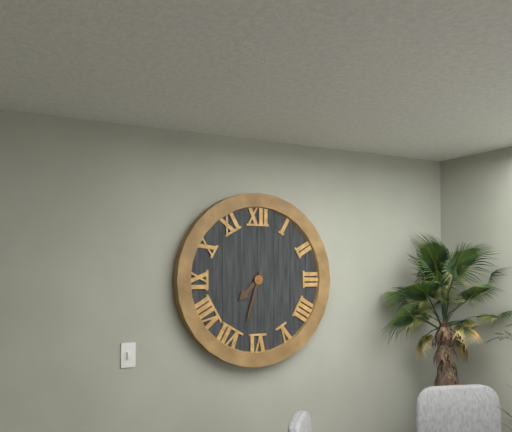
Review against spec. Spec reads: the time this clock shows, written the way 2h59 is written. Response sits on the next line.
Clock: 7h33
